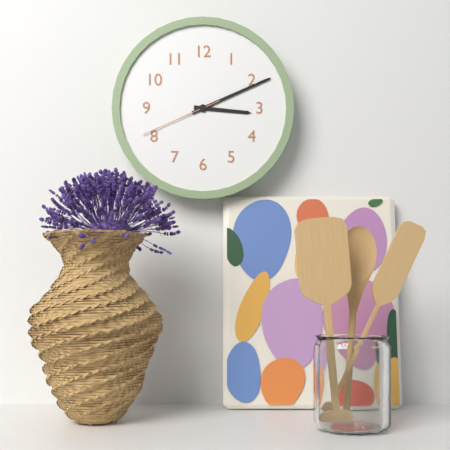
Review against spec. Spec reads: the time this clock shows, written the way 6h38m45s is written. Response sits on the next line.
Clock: 3h11m41s
